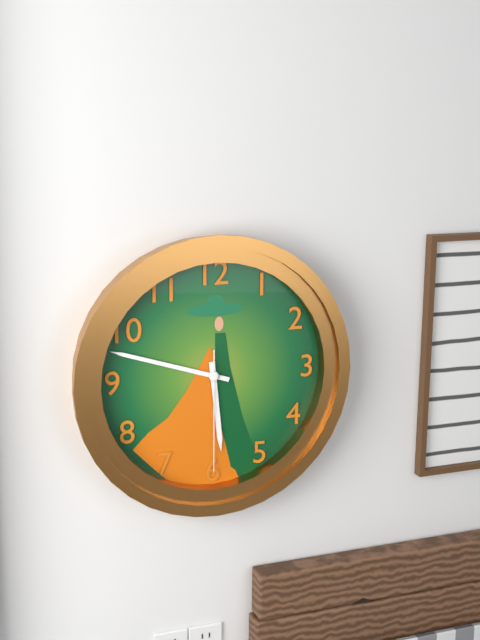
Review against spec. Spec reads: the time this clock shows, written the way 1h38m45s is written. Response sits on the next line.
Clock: 5h48m30s
